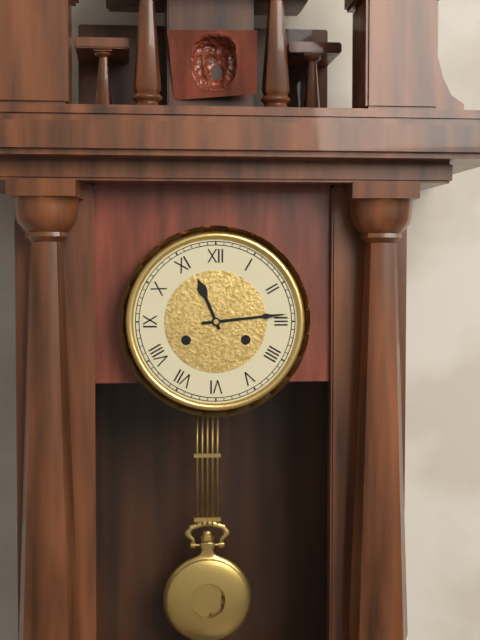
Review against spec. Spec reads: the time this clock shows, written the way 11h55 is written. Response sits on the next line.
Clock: 11h14
